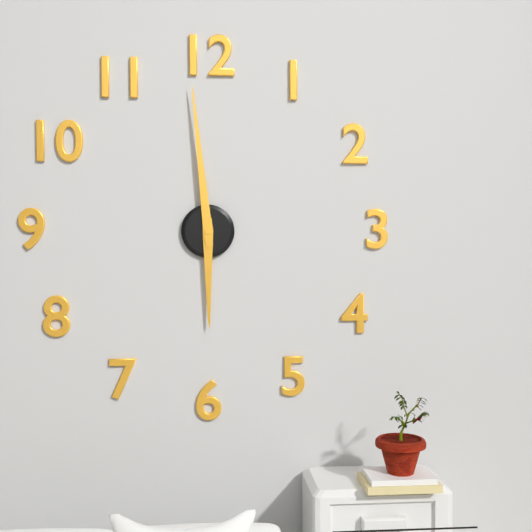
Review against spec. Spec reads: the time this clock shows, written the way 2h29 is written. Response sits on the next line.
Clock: 5h59
